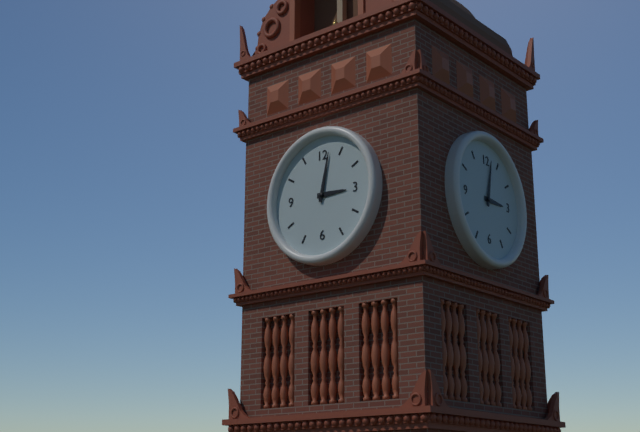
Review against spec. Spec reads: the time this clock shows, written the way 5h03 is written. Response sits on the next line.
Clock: 3h02
